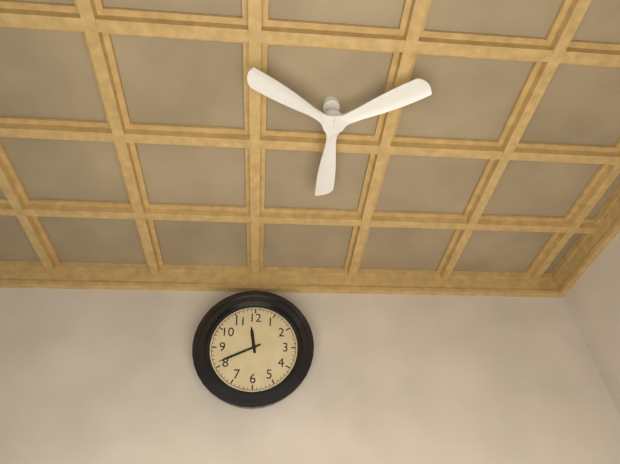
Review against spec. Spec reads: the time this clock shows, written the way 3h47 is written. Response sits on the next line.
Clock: 11h41
